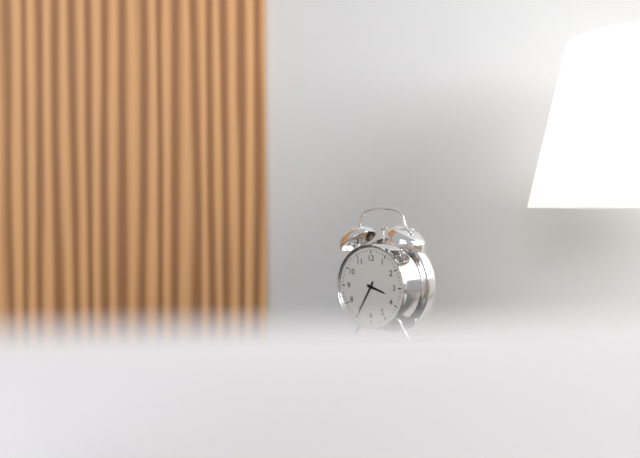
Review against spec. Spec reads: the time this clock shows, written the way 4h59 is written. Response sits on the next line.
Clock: 3h35
